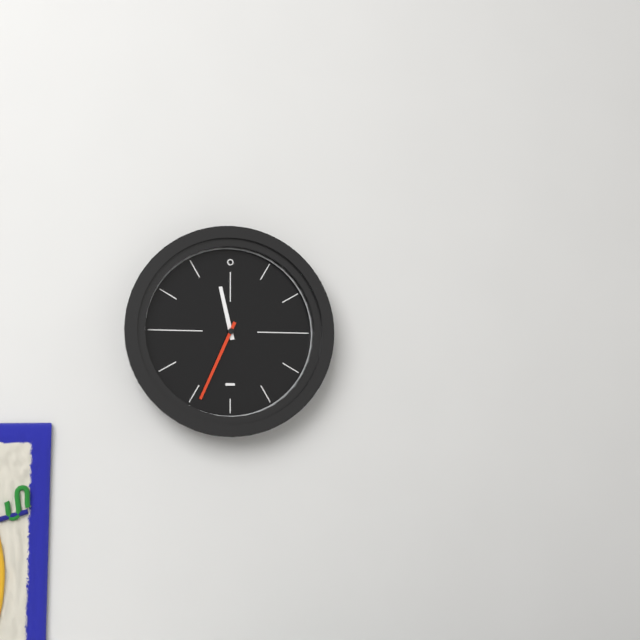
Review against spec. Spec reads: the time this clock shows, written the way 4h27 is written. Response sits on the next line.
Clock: 11h34
